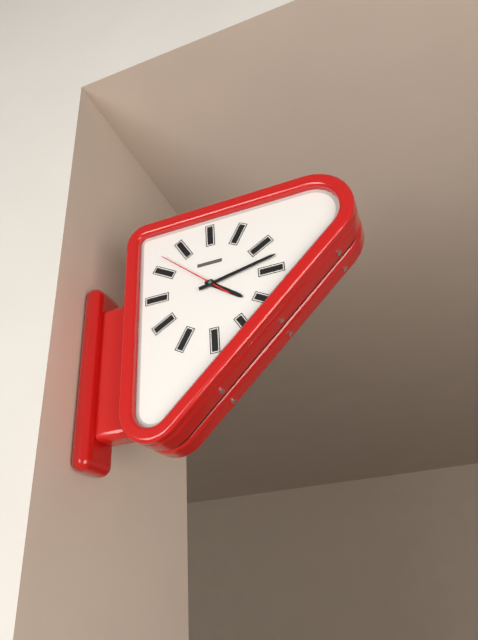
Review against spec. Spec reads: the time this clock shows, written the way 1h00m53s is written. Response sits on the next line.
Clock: 4h13m52s
